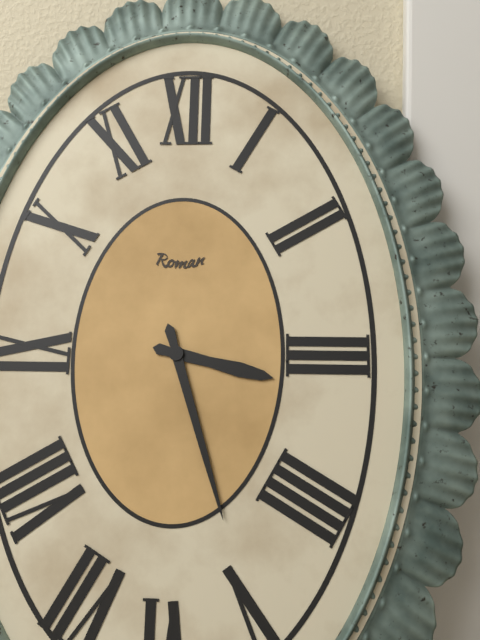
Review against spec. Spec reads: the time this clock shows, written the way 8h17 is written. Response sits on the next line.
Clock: 3h27
